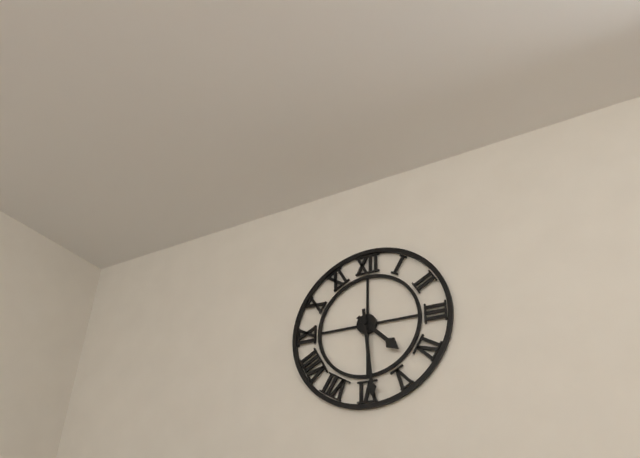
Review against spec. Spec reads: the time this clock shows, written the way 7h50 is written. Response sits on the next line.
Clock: 4h29
